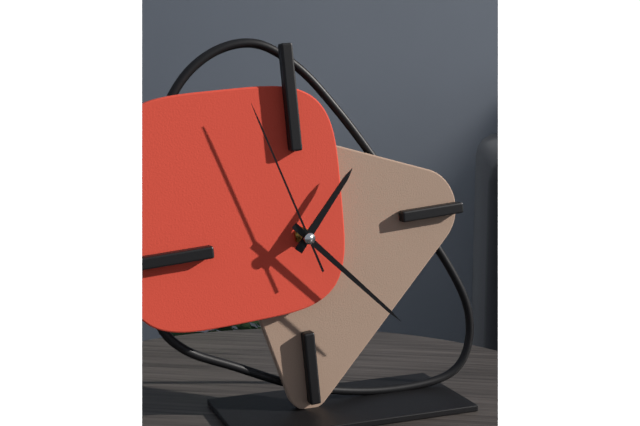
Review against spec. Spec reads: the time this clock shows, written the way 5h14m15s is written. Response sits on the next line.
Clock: 1h23m57s
